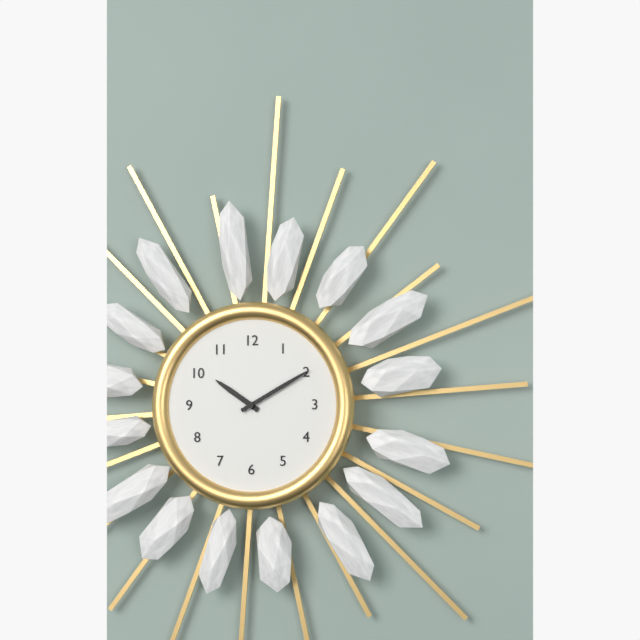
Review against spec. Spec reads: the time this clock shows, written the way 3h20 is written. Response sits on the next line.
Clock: 10h10
